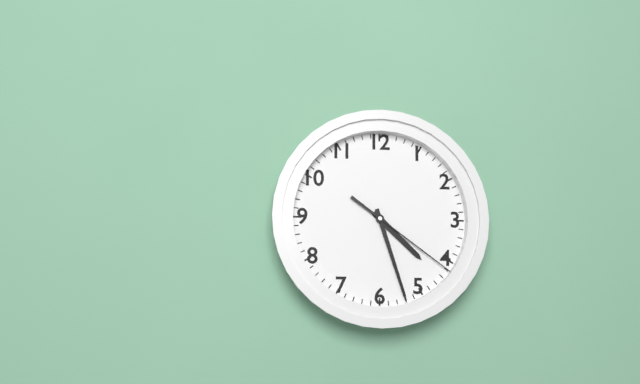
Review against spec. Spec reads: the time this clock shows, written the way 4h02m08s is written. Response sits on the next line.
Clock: 4h27m21s
